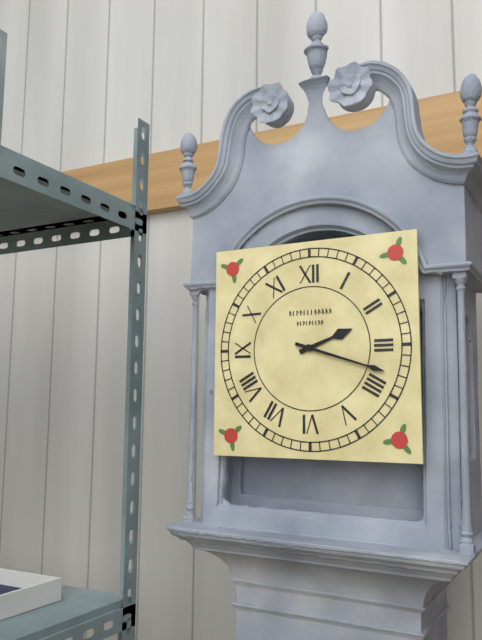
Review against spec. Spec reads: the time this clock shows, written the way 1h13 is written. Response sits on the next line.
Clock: 2h18
